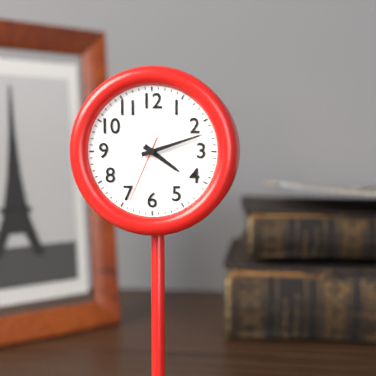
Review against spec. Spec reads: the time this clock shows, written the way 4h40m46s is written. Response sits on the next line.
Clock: 4h12m34s
